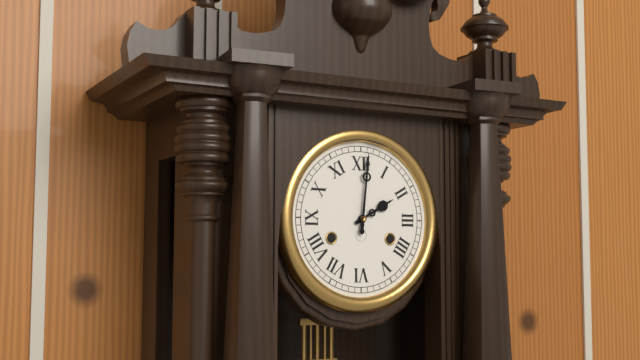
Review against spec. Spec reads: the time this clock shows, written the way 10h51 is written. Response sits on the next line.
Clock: 2h01
